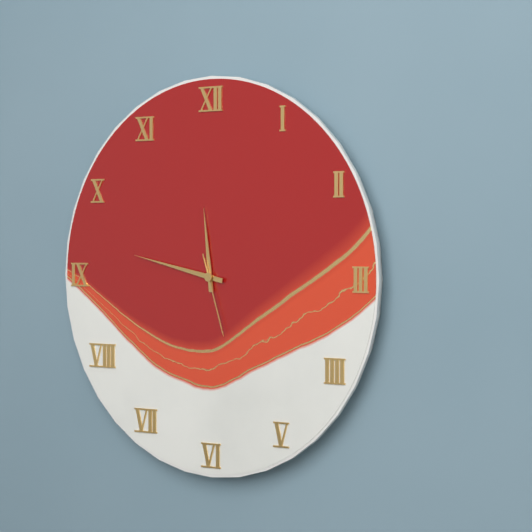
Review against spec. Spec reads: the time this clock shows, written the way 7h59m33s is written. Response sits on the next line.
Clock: 11h47m27s
